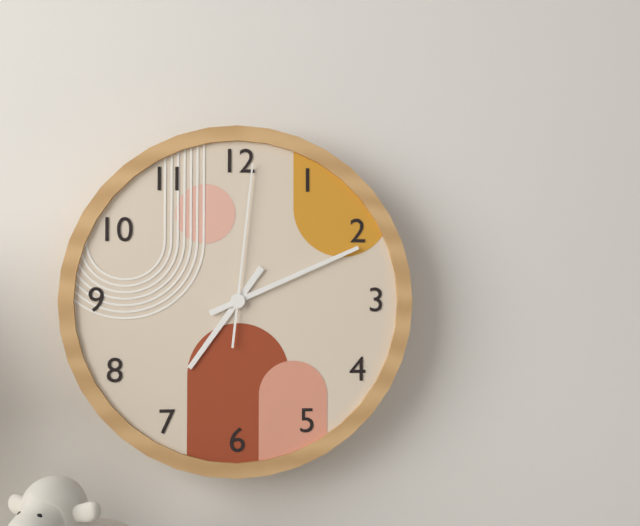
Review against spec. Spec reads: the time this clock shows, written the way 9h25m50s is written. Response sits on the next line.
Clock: 7h11m01s
